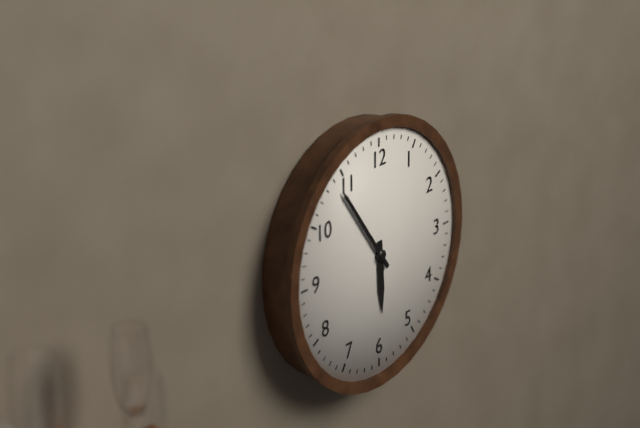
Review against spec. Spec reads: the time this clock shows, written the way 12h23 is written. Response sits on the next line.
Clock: 5h54
